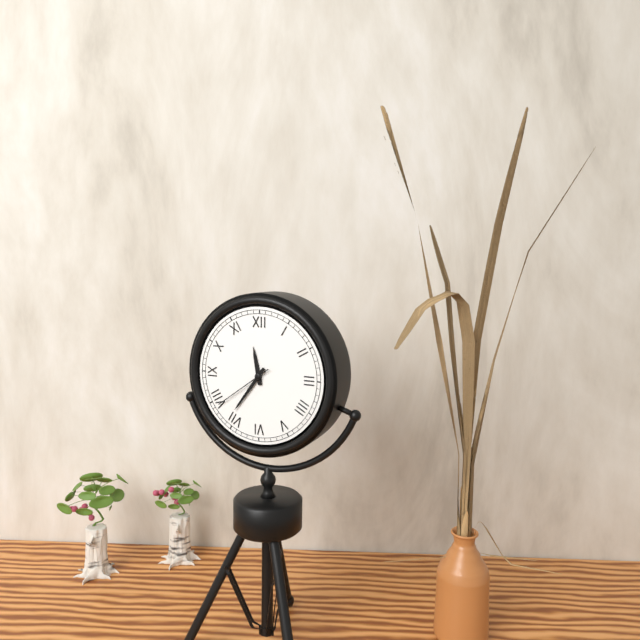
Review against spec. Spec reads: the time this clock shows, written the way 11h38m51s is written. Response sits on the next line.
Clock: 11h36m39s
